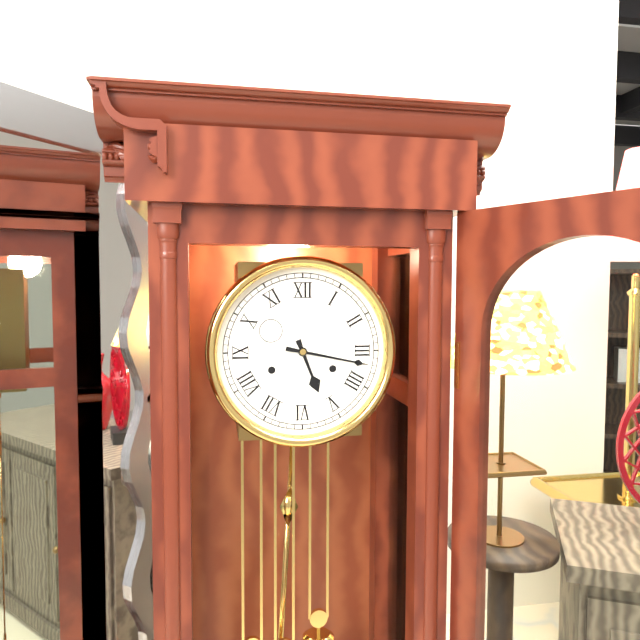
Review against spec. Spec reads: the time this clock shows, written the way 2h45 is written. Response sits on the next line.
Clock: 5h17
